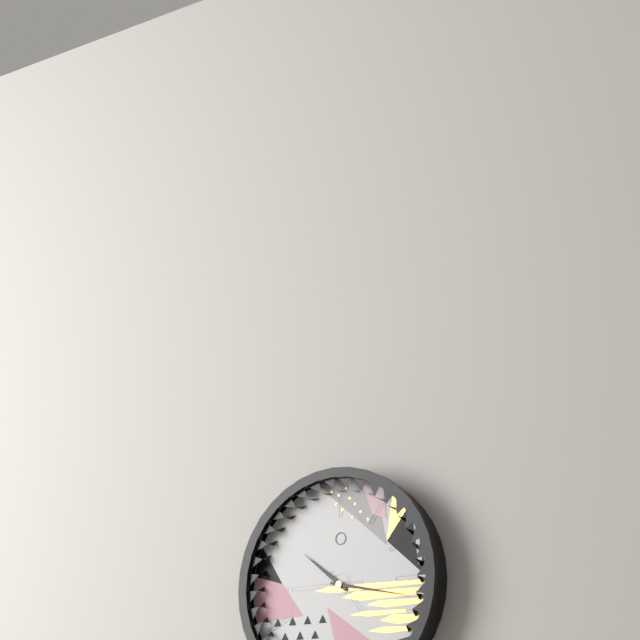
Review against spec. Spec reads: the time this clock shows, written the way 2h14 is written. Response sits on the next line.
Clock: 10h17
